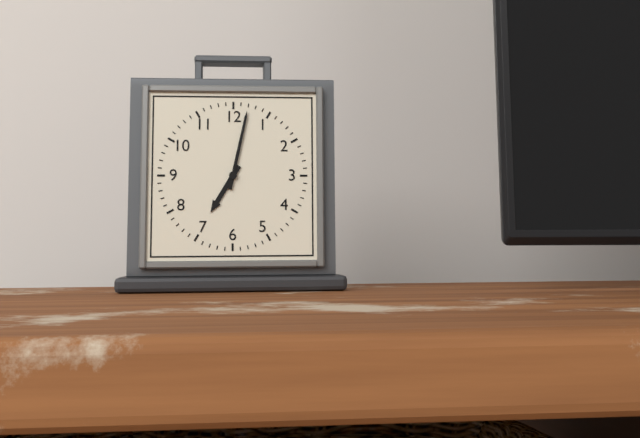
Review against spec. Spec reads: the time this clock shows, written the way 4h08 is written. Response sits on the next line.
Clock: 7h02
